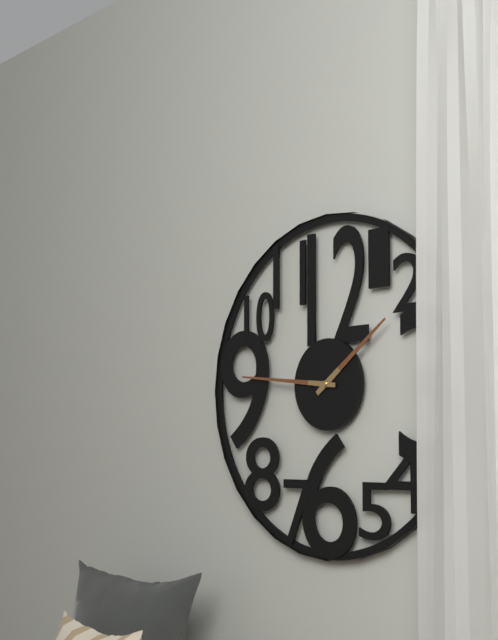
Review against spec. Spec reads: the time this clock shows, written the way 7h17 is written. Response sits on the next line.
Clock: 1h46
